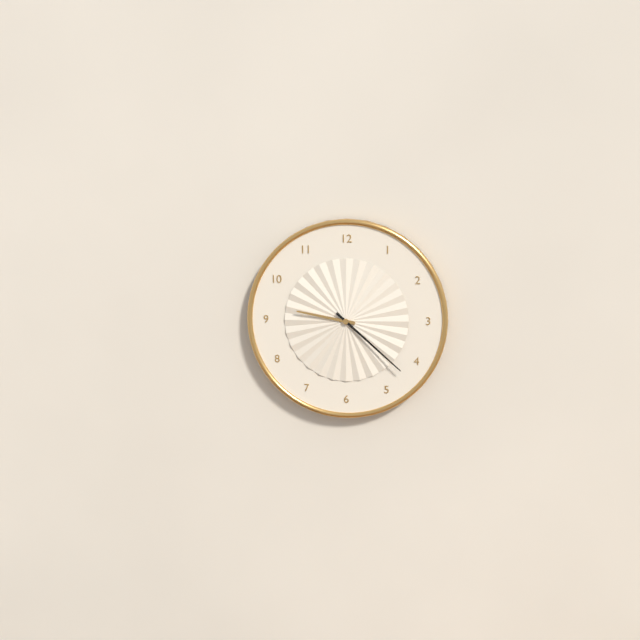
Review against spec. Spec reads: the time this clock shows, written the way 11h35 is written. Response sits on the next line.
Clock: 9h22
